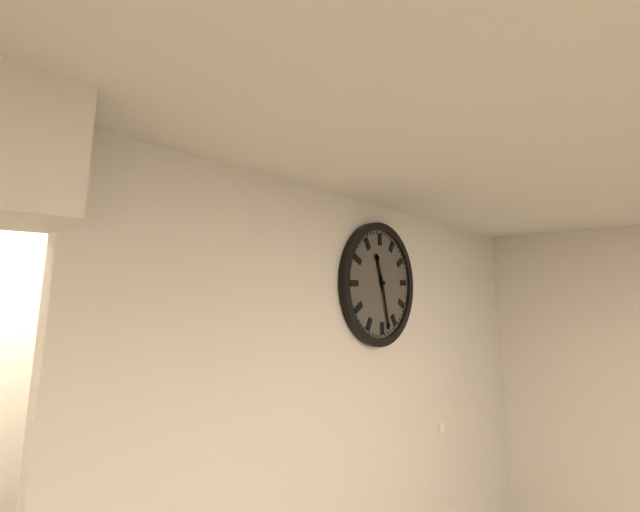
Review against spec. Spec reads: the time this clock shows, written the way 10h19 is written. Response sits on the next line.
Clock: 11h28
